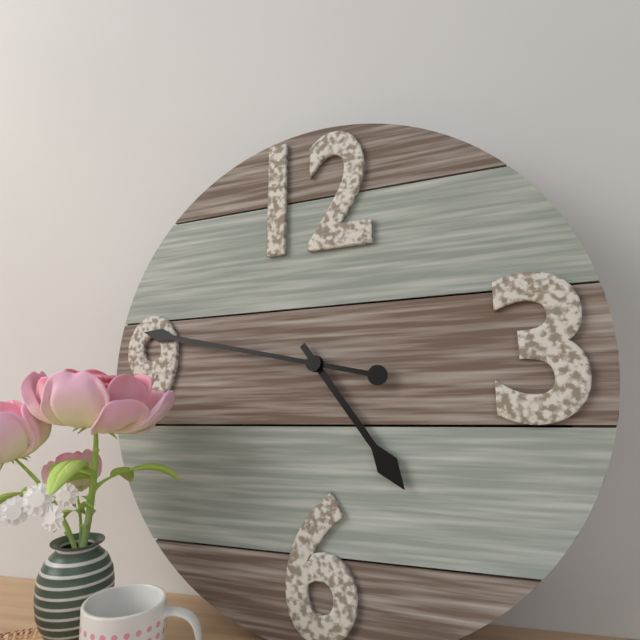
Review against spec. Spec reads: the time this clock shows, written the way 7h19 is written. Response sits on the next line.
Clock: 4h47
